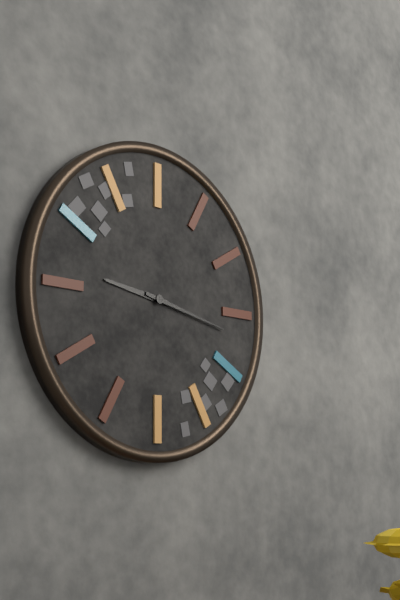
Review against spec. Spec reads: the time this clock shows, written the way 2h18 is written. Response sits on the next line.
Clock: 9h17
